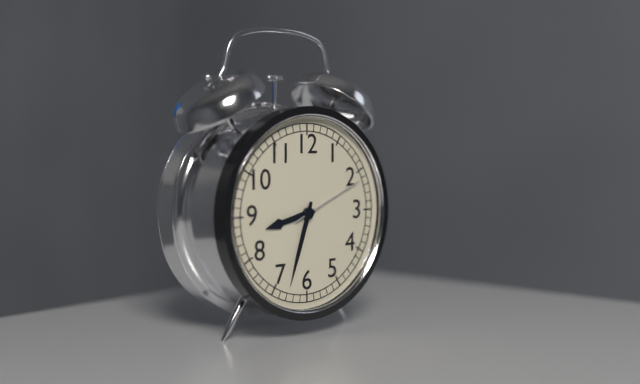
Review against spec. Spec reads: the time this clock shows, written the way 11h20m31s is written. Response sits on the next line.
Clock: 8h33m11s
